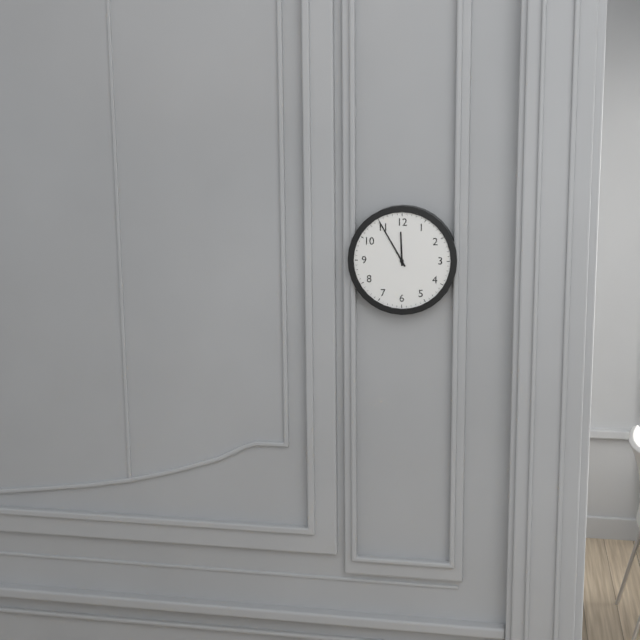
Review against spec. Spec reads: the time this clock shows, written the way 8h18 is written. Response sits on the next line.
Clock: 11h55
